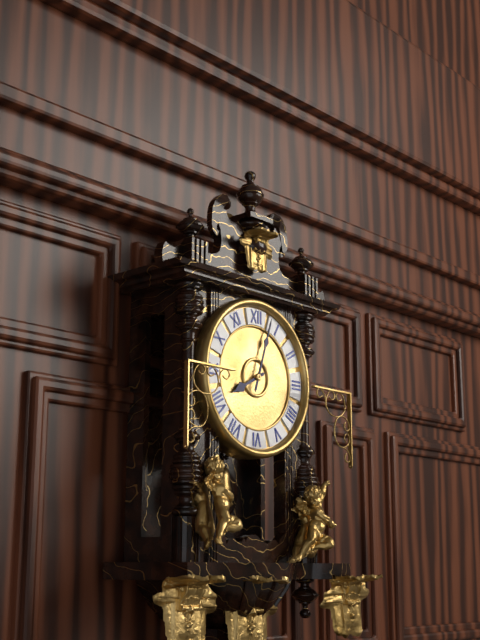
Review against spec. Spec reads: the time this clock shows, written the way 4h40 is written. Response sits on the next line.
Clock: 8h03
